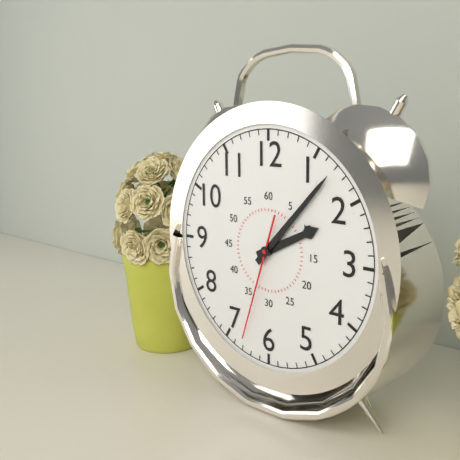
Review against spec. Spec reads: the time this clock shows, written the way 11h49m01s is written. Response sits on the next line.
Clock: 2h07m33s
